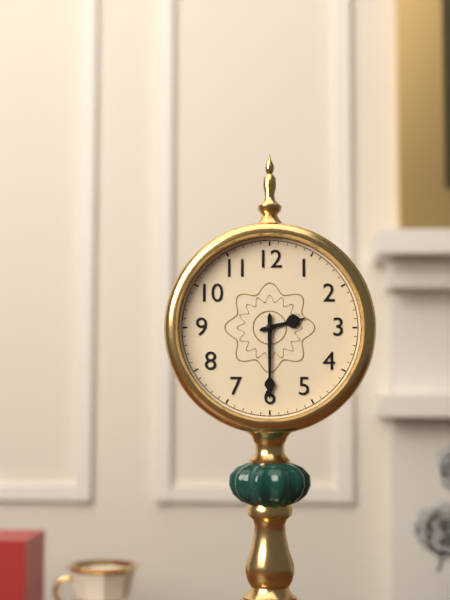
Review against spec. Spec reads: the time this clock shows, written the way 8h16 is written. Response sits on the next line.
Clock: 2h30
